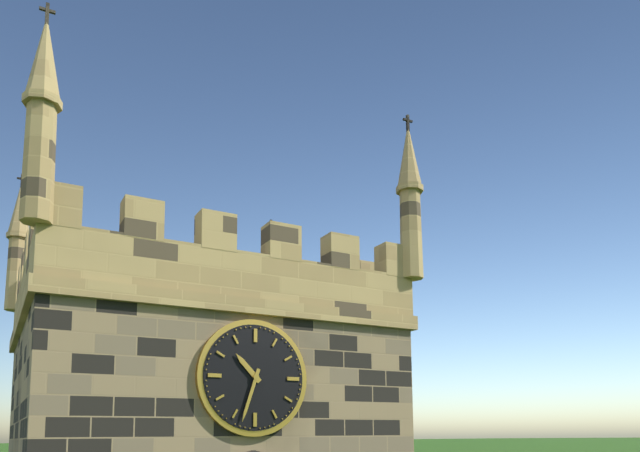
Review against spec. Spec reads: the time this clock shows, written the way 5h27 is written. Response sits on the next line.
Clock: 10h33
